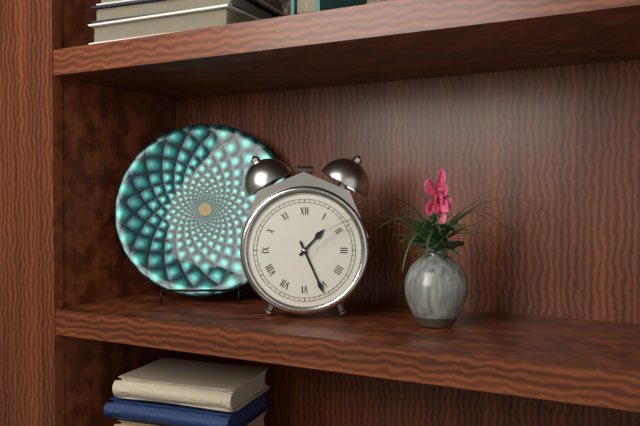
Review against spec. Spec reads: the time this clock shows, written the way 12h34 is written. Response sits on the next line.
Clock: 1h26
